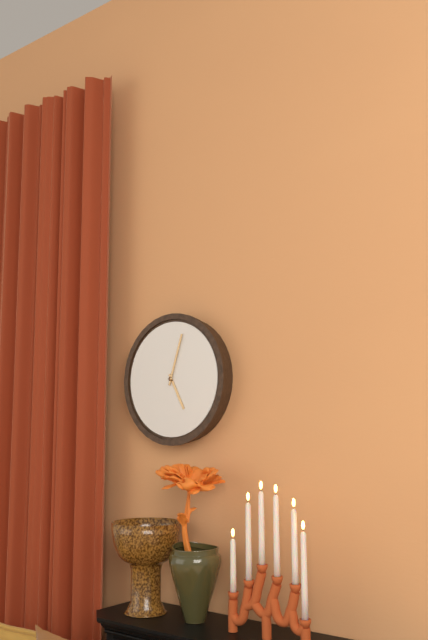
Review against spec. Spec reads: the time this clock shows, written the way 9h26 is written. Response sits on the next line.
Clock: 5h03
